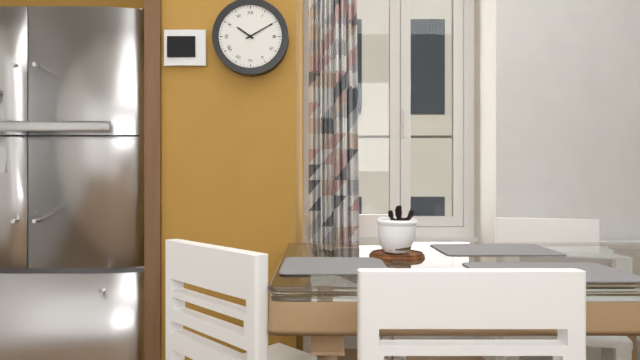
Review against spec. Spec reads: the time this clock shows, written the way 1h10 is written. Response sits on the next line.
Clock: 10h10
